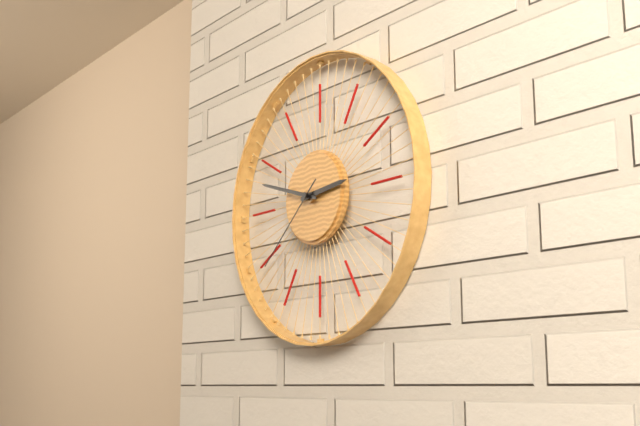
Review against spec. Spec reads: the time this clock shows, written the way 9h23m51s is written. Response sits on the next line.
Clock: 2h48m38s
